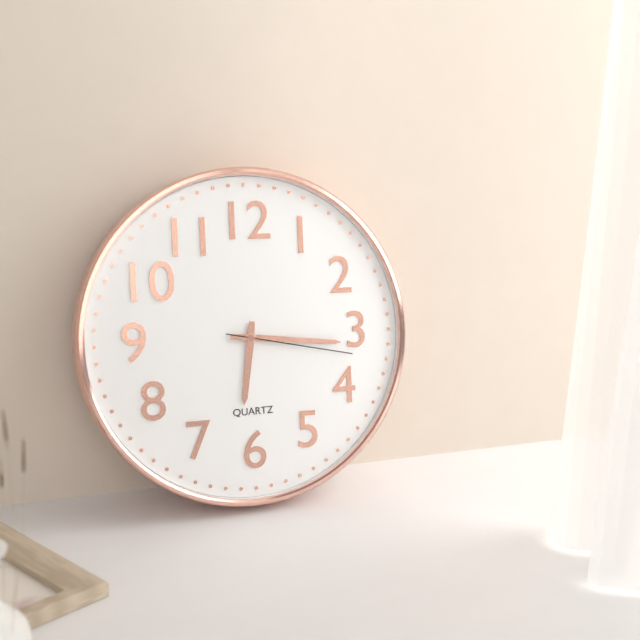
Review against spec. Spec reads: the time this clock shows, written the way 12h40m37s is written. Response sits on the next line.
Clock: 6h16m17s
